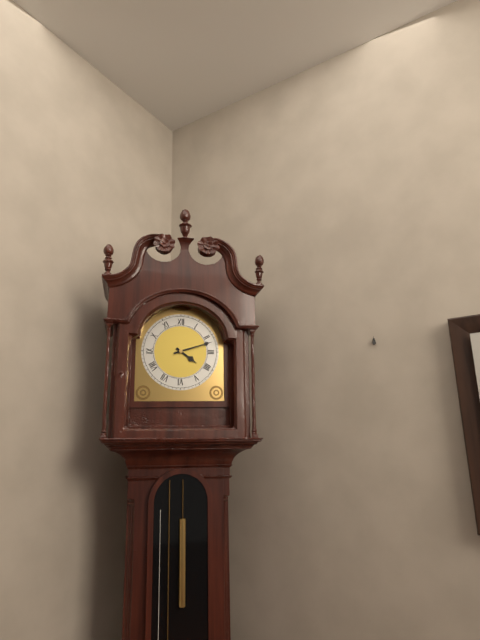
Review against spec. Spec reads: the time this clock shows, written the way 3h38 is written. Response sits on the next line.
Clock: 4h12
